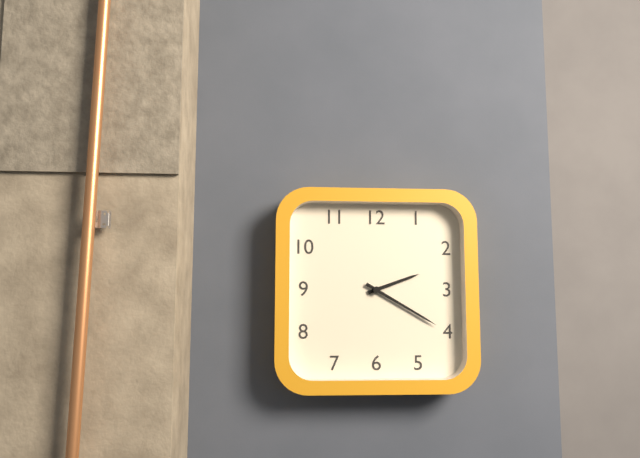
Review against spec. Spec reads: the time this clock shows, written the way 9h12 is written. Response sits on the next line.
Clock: 2h20
